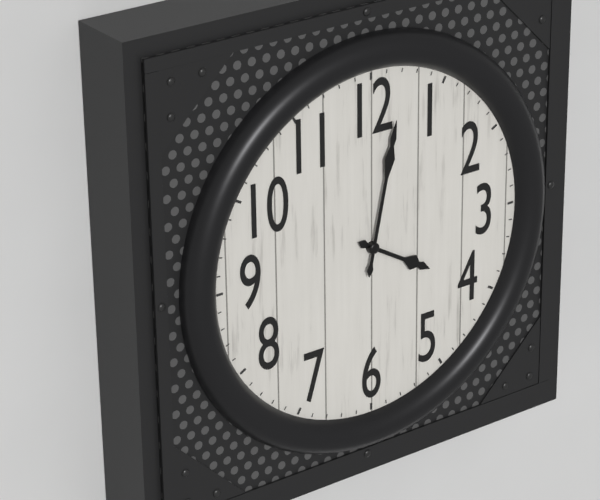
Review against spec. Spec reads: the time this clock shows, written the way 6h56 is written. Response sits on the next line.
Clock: 4h02
